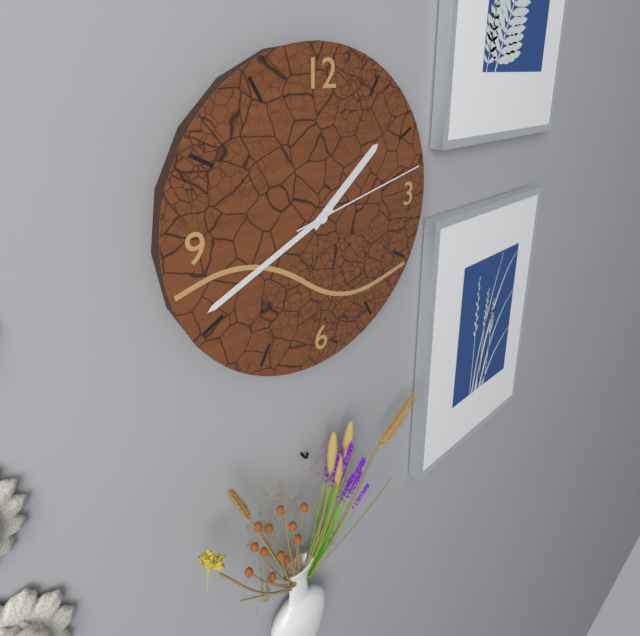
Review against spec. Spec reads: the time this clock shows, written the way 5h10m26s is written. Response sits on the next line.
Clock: 1h41m13s
